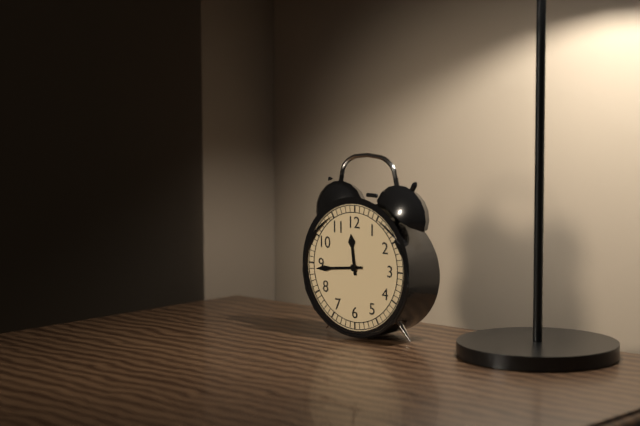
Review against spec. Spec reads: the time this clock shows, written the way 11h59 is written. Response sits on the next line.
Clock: 11h44
